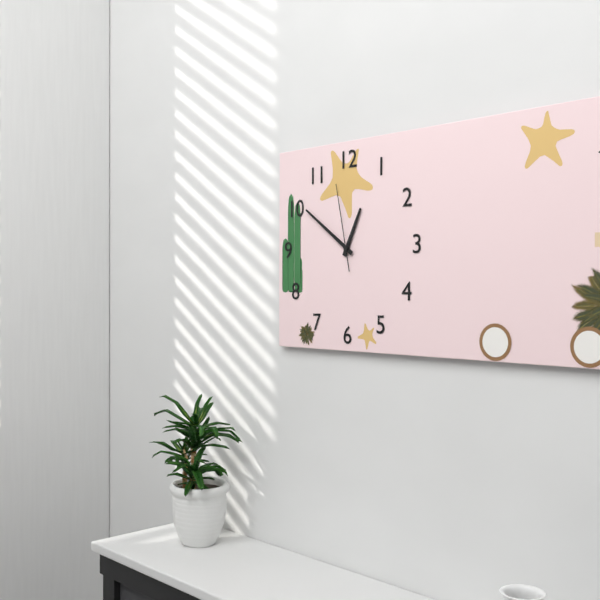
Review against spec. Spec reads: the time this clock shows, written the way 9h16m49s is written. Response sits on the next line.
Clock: 12h51m58s
